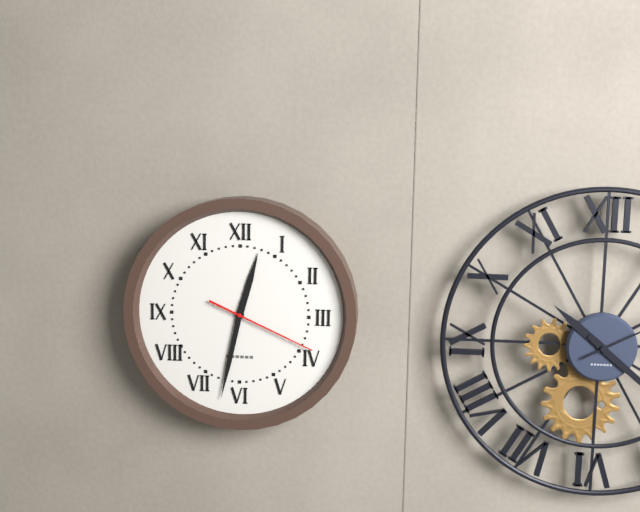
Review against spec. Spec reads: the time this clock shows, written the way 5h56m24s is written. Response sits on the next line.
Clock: 12h32m19s
